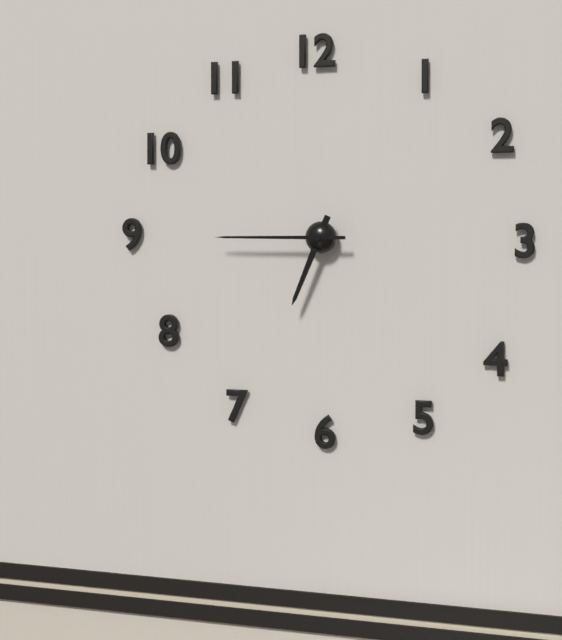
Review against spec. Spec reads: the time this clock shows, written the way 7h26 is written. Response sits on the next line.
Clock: 6h45
